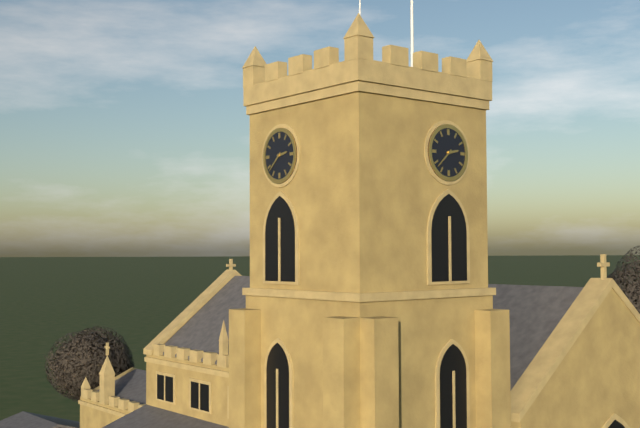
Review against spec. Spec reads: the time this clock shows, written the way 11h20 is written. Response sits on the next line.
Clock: 2h38
